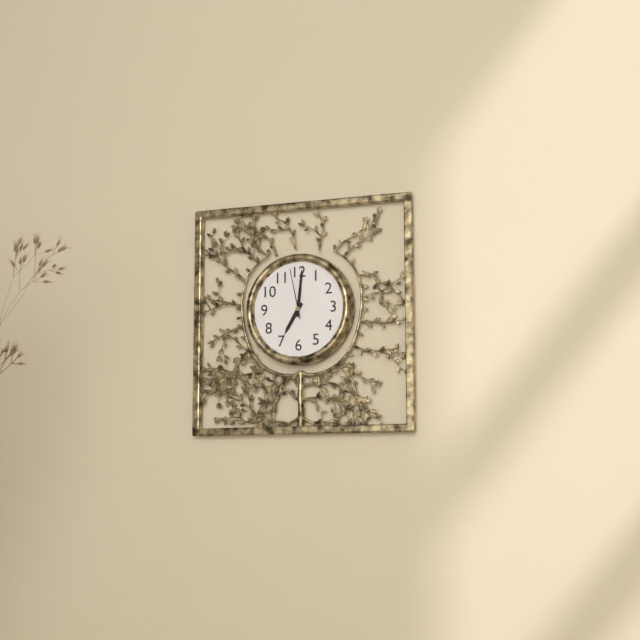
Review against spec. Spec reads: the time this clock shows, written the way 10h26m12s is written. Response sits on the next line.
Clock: 7h01m58s
